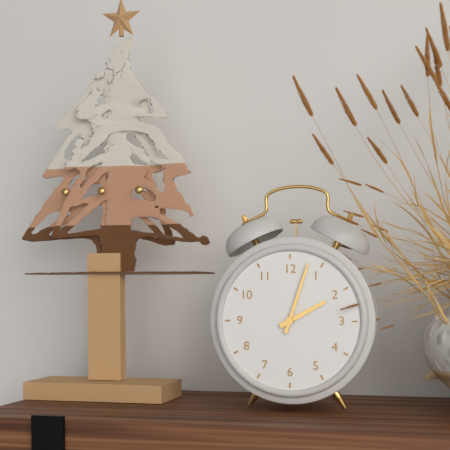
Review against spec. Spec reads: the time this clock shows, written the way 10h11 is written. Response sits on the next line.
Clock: 2h03
